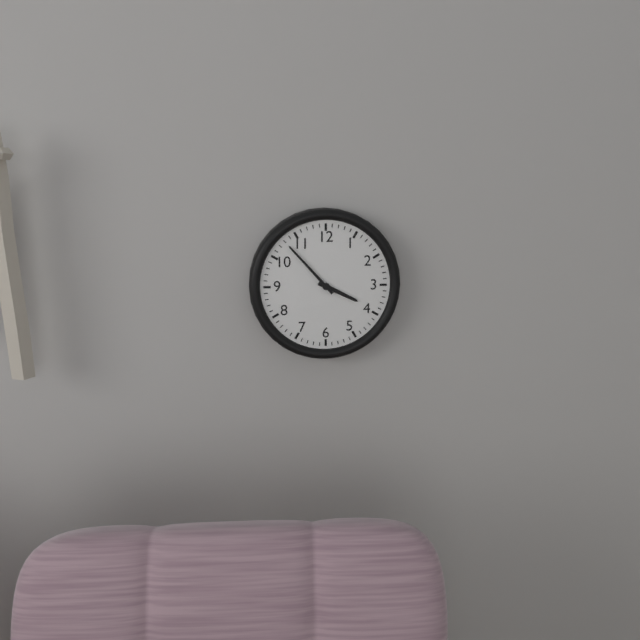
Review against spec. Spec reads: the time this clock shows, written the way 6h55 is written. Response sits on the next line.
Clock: 3h53
